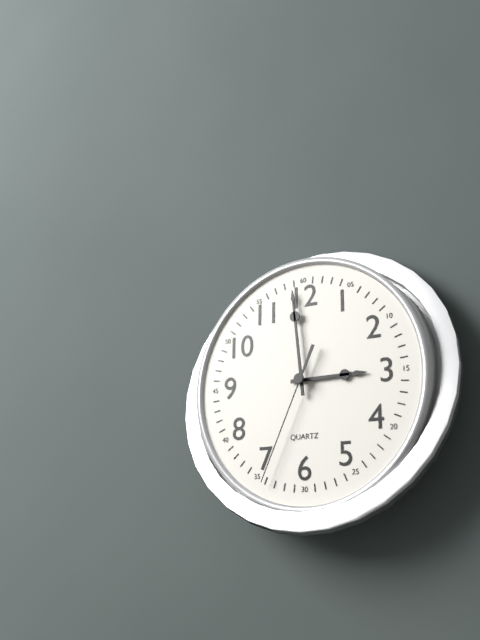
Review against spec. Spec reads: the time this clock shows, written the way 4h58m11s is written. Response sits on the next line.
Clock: 2h59m34s
